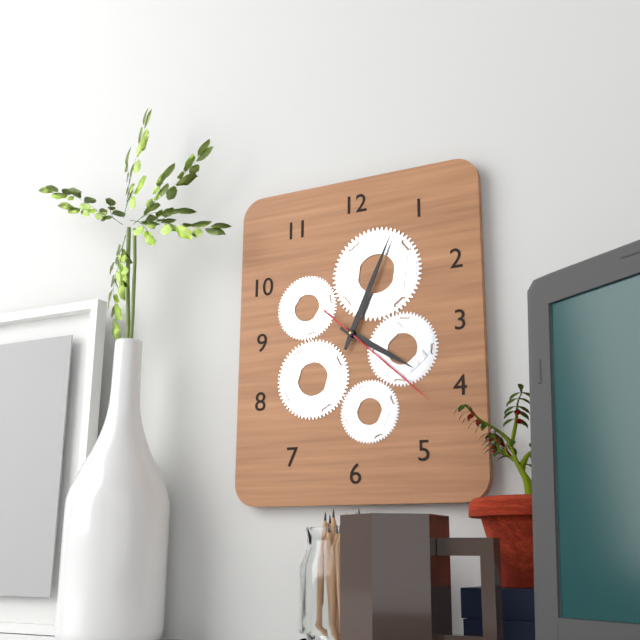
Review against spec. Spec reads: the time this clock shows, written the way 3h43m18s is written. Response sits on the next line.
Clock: 4h04m22s
